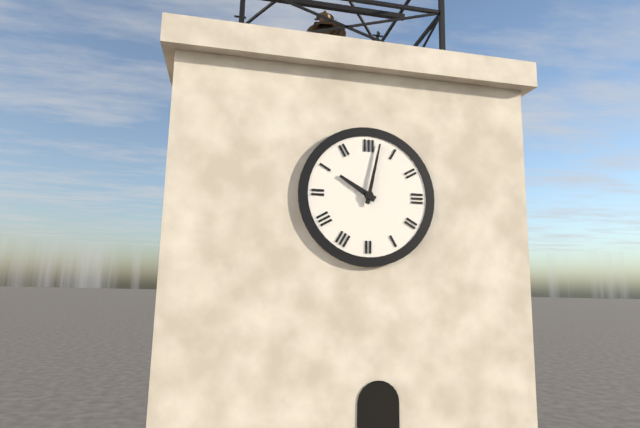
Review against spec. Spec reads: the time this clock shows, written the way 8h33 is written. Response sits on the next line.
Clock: 10h02
